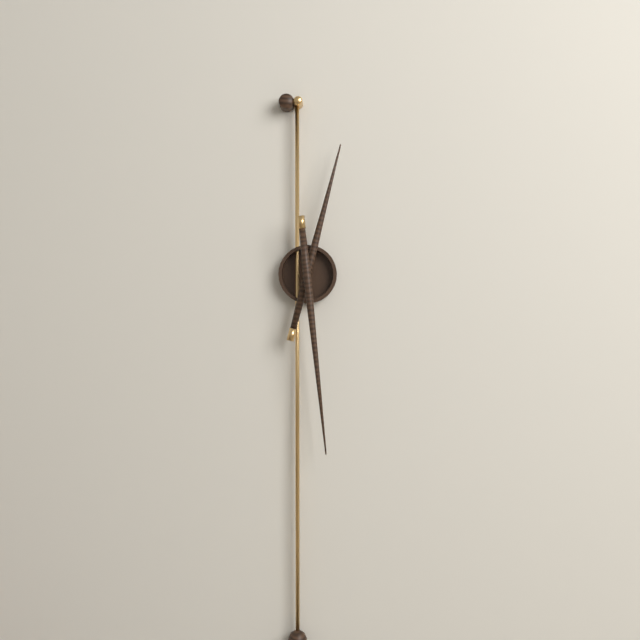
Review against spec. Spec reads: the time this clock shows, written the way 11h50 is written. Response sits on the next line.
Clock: 12h29
